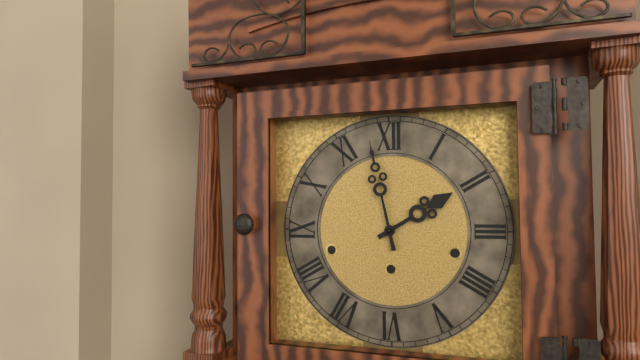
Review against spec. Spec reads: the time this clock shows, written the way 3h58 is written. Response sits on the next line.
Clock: 1h58
